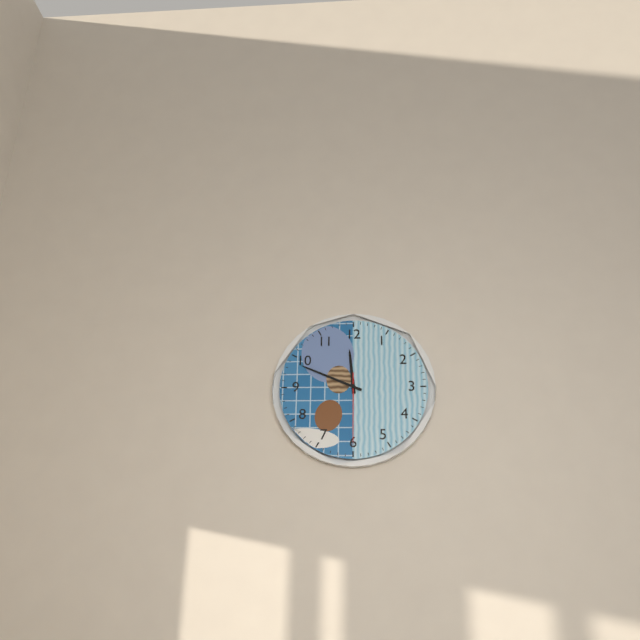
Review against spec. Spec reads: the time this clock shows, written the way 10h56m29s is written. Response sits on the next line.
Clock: 11h49m30s
